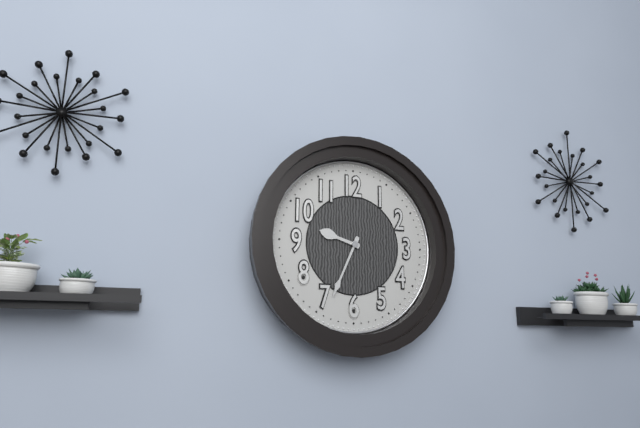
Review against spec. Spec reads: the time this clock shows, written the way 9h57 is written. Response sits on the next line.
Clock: 9h34
